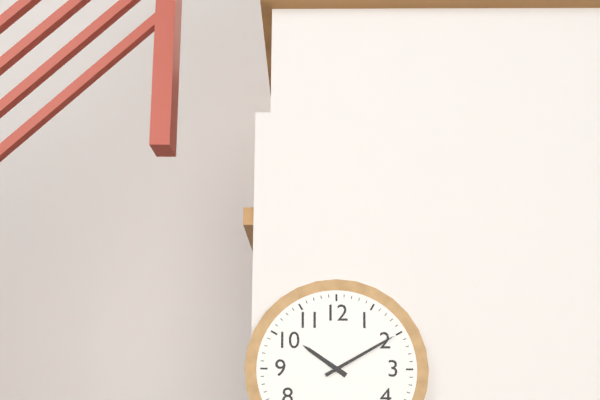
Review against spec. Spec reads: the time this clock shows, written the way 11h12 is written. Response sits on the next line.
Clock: 10h10
